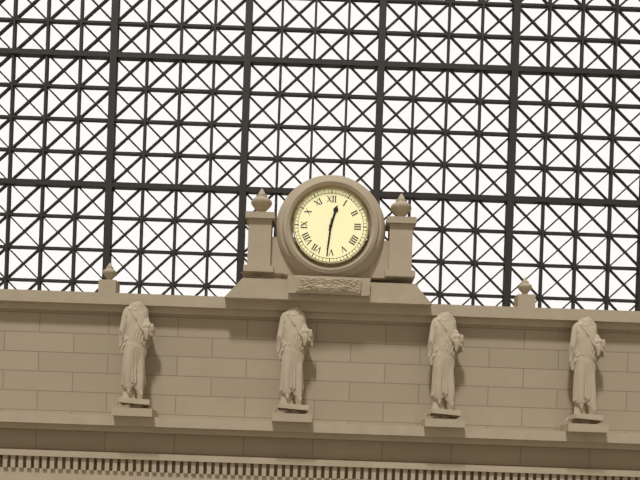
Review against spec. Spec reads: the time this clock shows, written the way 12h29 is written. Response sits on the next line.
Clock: 12h31
